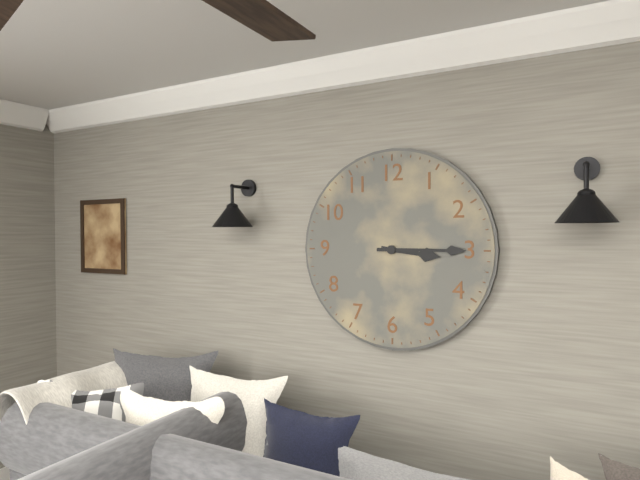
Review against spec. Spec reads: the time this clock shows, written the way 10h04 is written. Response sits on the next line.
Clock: 3h15
